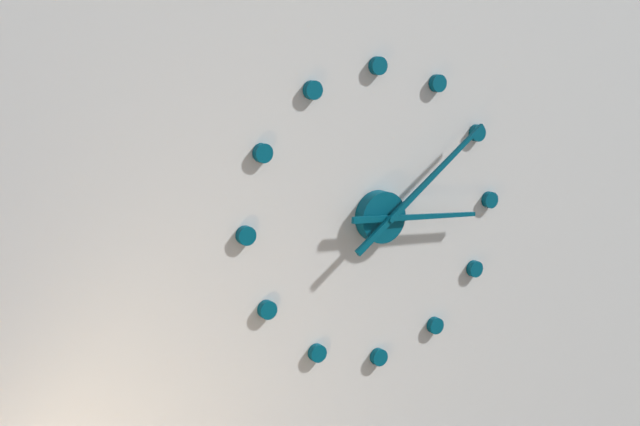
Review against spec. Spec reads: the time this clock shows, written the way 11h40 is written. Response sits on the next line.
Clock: 3h09
